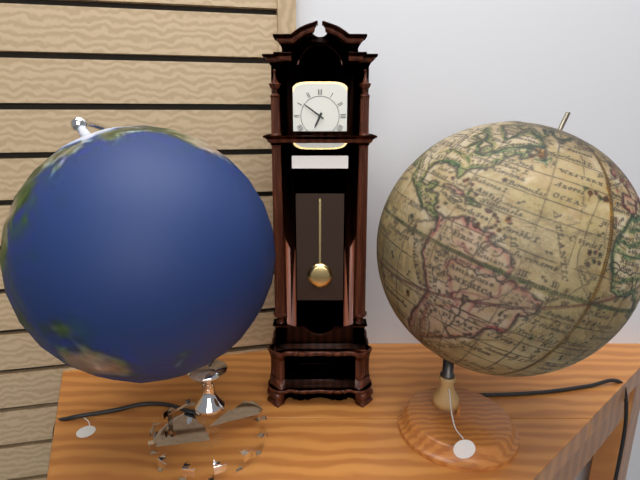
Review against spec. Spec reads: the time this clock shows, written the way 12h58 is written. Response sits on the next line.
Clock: 6h51
